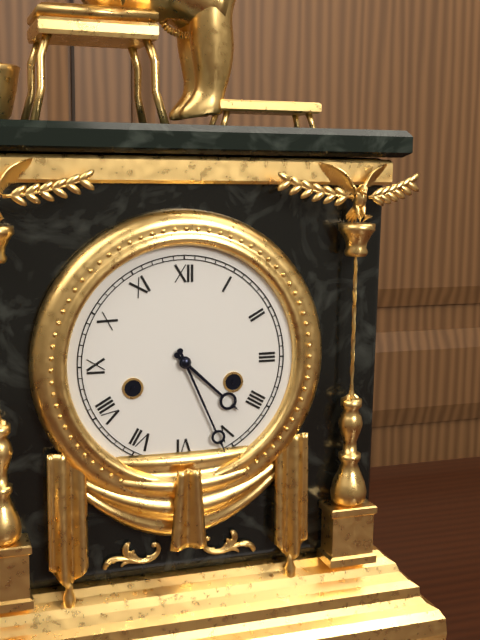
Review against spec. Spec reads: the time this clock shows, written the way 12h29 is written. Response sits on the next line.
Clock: 4h26
